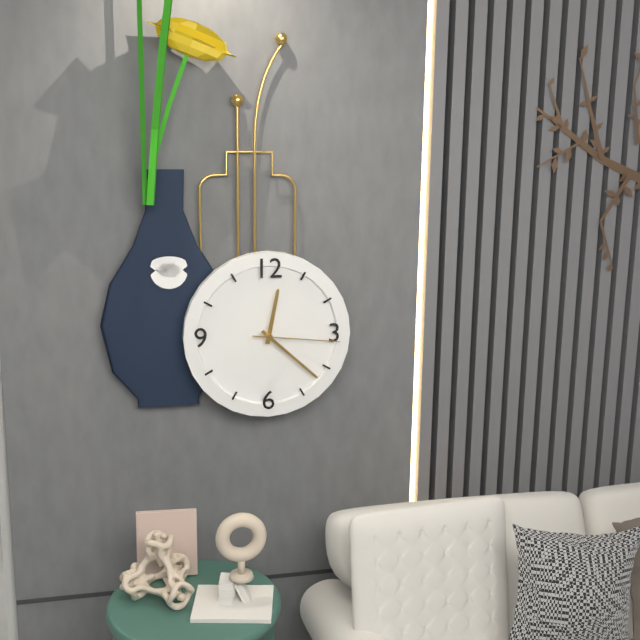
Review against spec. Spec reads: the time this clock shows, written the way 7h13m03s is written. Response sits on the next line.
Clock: 12h22m16s
